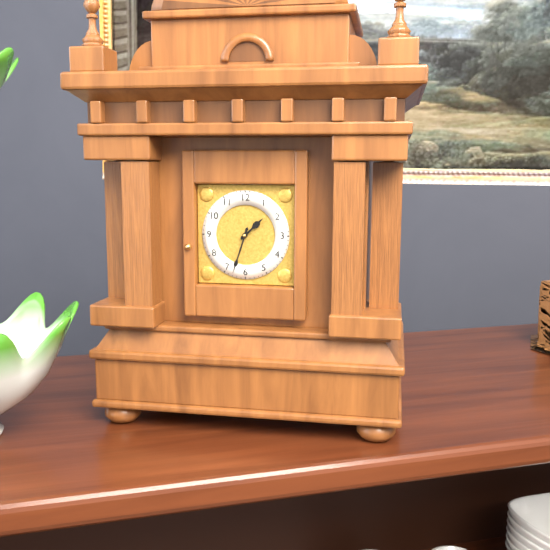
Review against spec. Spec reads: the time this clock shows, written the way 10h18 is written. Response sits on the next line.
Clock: 1h33
